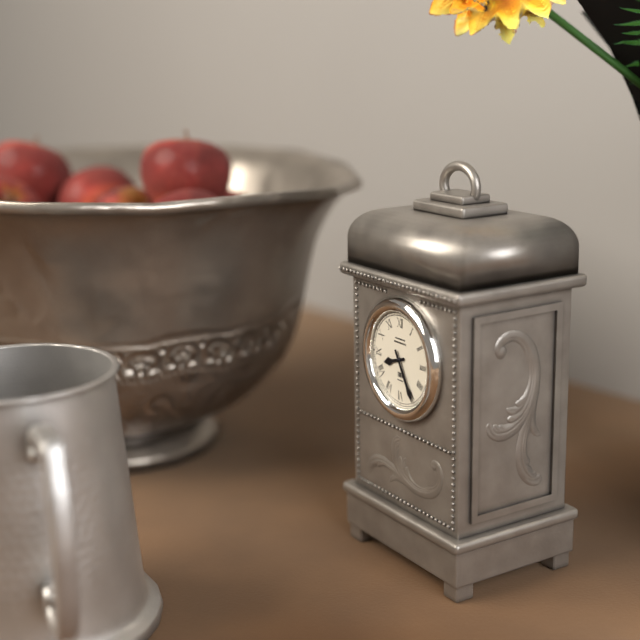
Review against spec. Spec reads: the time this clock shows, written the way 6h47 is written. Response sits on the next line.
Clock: 8h25
